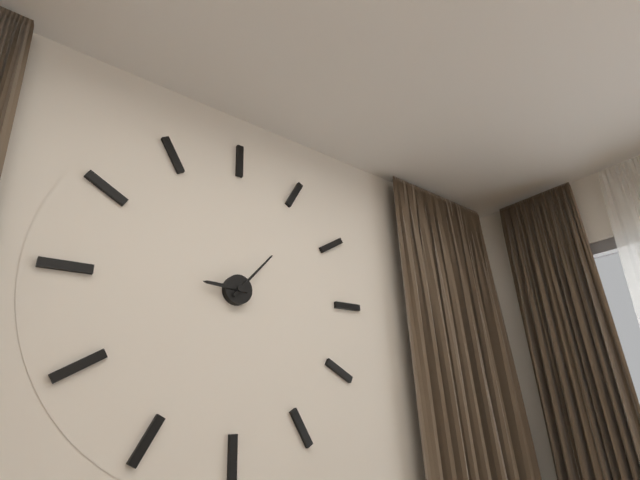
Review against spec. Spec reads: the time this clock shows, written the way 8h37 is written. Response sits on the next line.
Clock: 9h07
